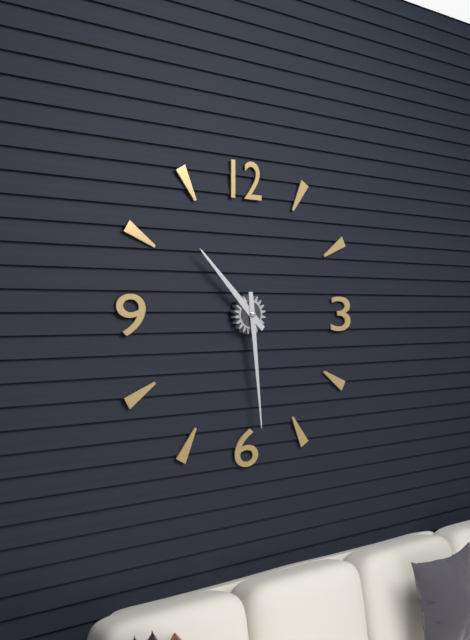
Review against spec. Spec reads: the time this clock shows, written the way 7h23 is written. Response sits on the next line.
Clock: 10h29
